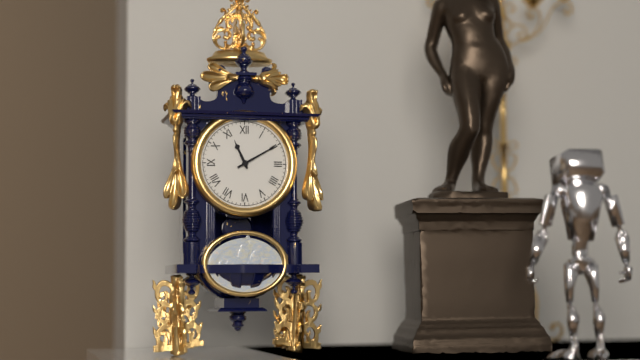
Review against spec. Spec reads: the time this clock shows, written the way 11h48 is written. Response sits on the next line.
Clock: 11h10
